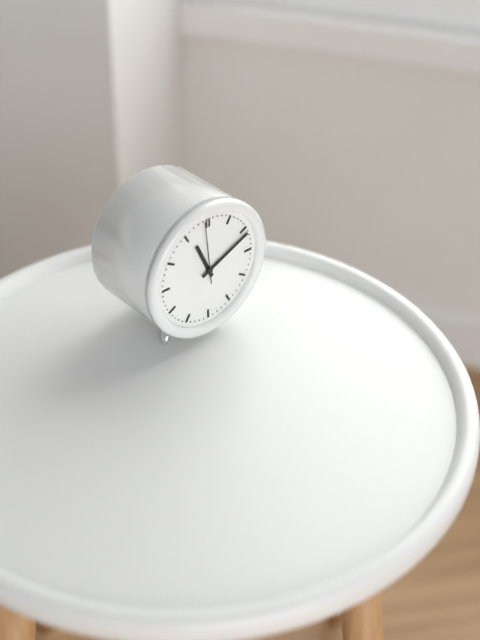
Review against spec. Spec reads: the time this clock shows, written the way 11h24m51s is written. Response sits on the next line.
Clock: 11h11m59s
